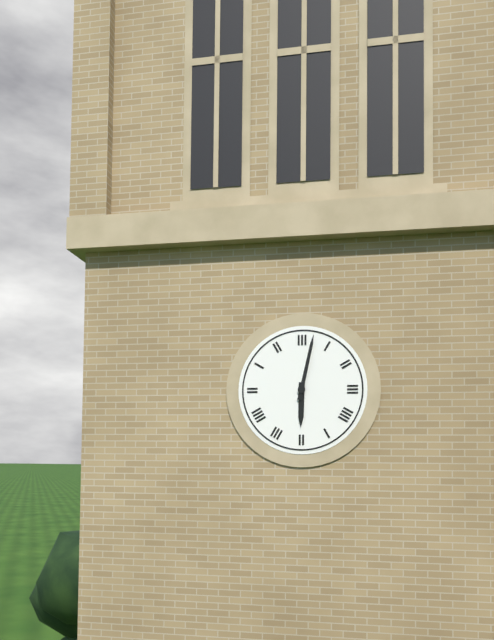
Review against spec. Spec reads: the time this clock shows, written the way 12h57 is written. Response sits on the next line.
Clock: 6h02
